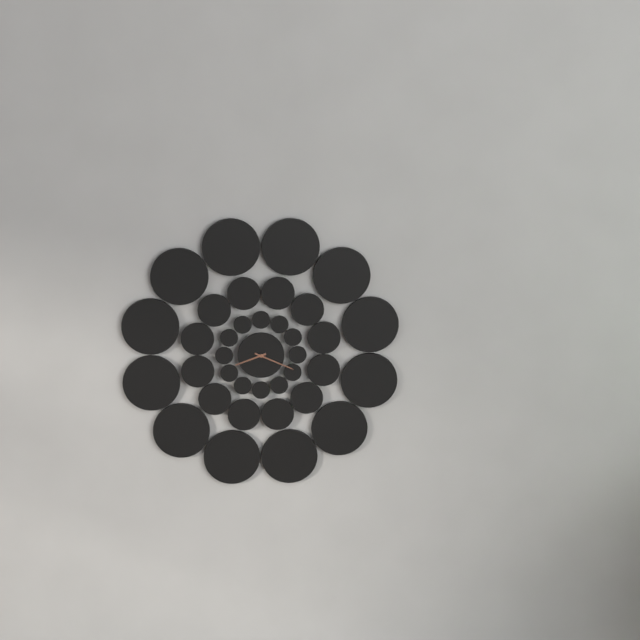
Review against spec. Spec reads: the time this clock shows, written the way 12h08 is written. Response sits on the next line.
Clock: 8h19
